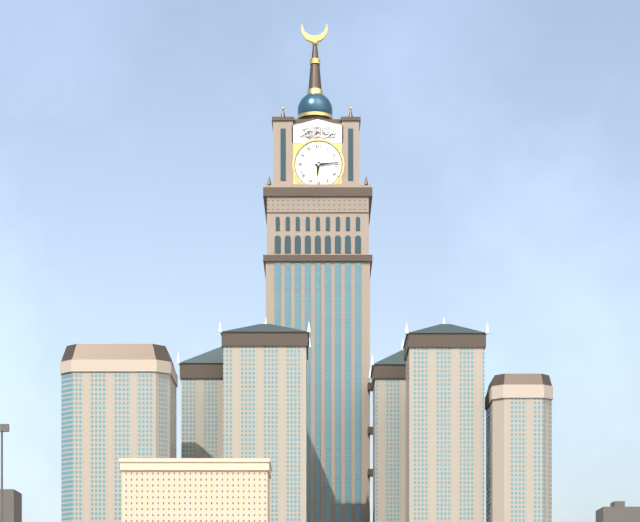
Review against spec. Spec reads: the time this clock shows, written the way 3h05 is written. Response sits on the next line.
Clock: 6h14
